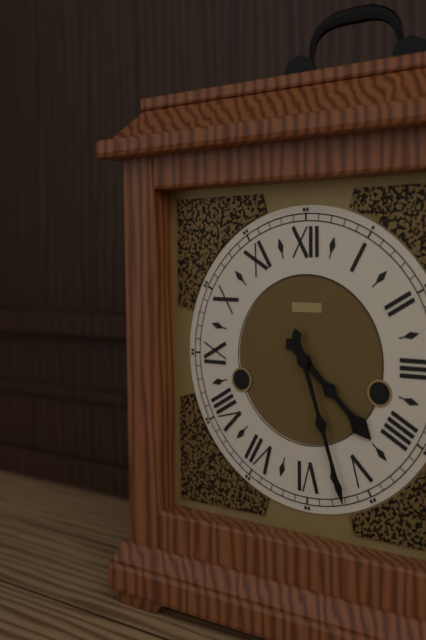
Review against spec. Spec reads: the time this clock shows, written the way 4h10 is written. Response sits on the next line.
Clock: 4h27
